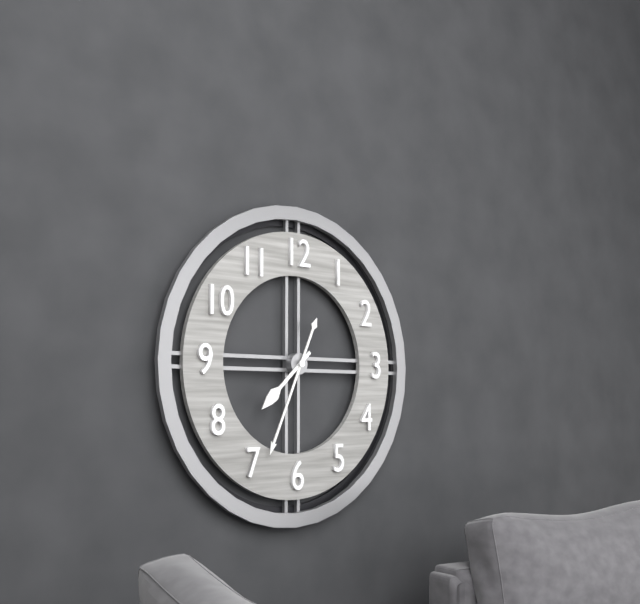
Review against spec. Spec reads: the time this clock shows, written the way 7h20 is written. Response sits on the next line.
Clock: 7h34
